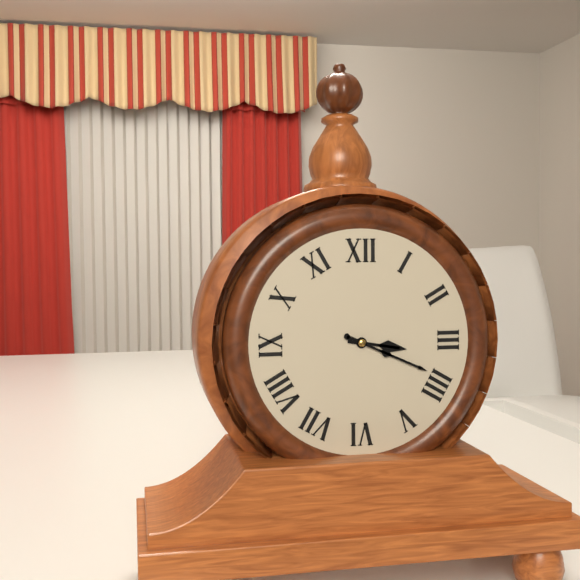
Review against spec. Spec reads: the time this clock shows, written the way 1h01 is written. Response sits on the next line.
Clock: 3h19
